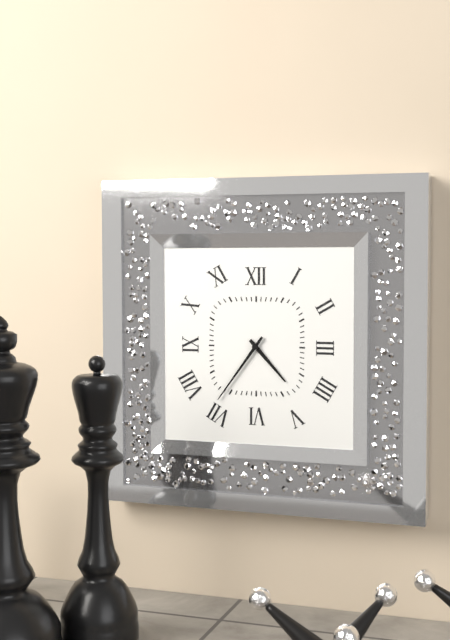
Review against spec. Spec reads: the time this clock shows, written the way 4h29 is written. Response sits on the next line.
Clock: 4h36
